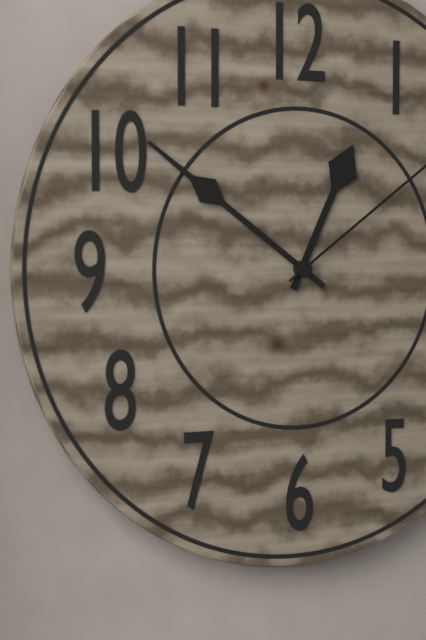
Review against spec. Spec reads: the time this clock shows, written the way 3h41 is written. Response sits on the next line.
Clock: 12h51
